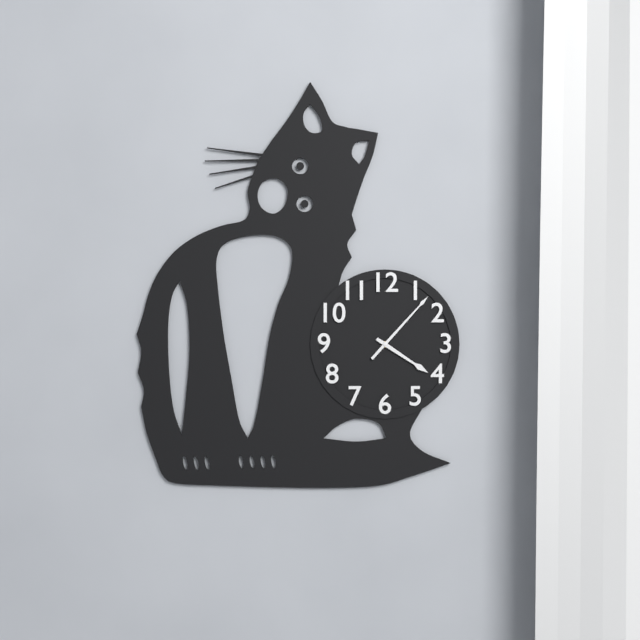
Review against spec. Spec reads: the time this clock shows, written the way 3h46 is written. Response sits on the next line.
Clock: 4h07
